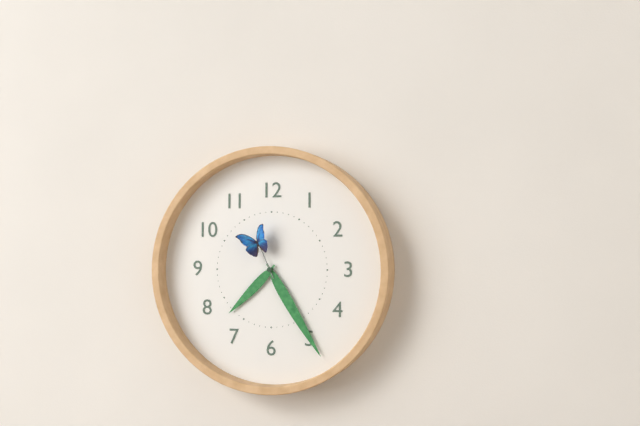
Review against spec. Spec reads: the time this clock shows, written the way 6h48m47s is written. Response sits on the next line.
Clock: 7h25m56s
